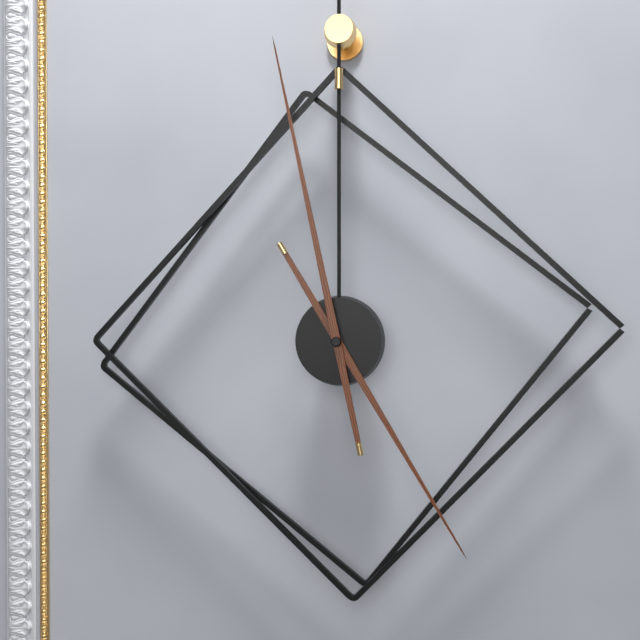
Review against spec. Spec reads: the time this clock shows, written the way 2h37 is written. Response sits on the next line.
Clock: 4h58
